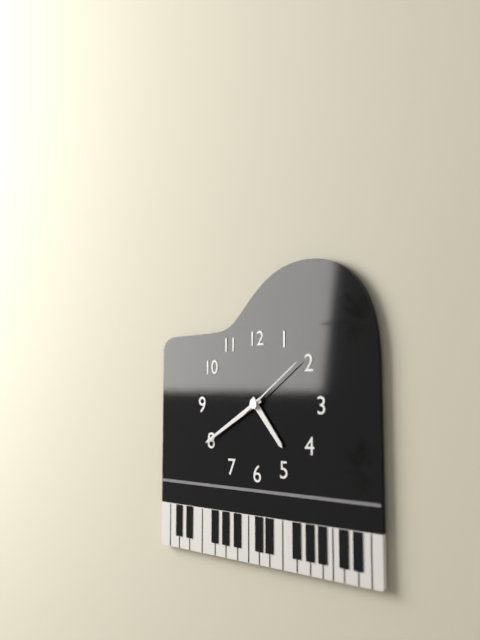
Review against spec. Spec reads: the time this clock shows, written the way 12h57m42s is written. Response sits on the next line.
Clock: 4h40m09s
